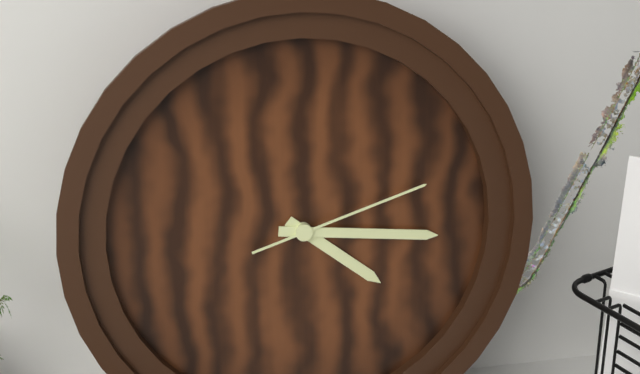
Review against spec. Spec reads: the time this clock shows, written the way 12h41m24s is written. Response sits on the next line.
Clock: 4h16m12s
